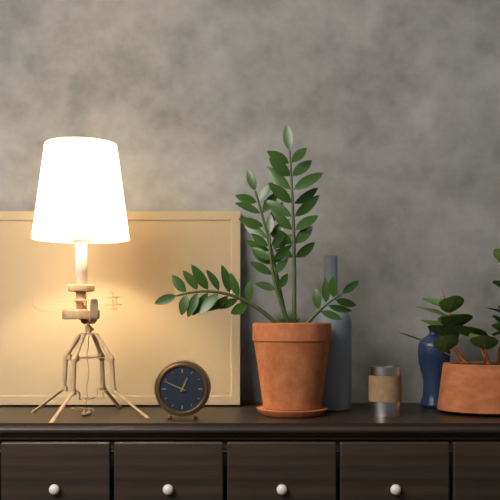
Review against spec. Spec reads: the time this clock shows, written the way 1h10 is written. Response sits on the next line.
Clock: 12h49
